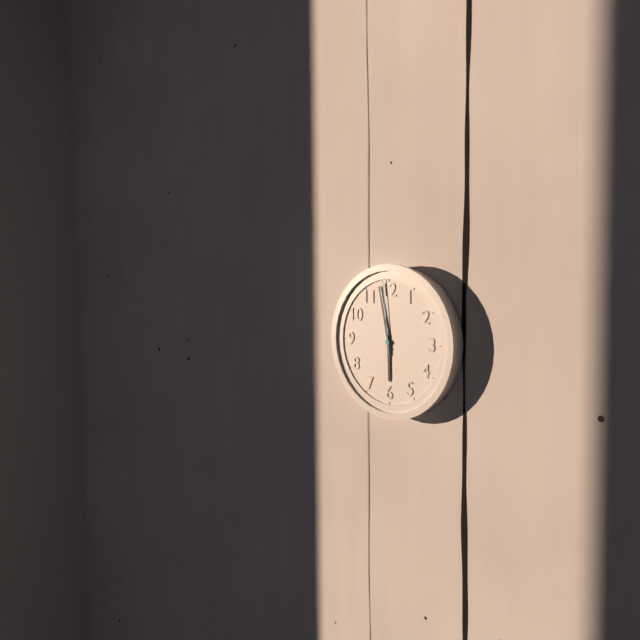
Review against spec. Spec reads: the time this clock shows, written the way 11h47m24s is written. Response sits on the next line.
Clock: 5h58m59s
